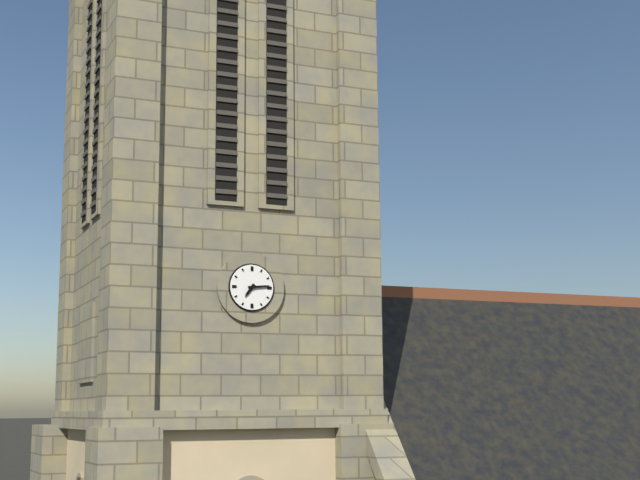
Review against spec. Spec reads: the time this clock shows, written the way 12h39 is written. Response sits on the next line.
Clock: 7h14
